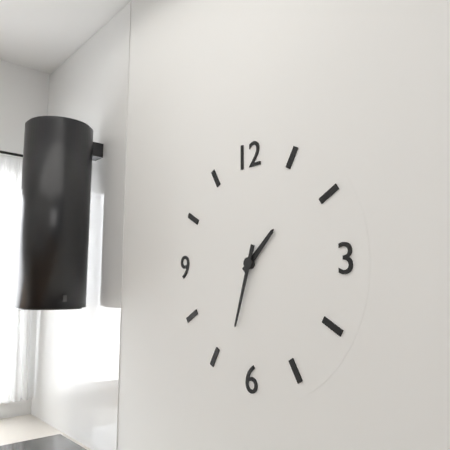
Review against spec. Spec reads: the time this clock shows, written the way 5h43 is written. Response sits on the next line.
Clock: 1h33
